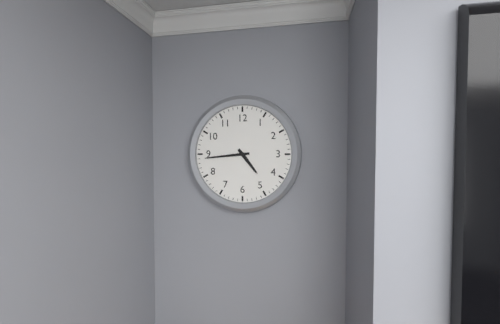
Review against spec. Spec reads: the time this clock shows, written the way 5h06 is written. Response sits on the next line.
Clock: 4h44
